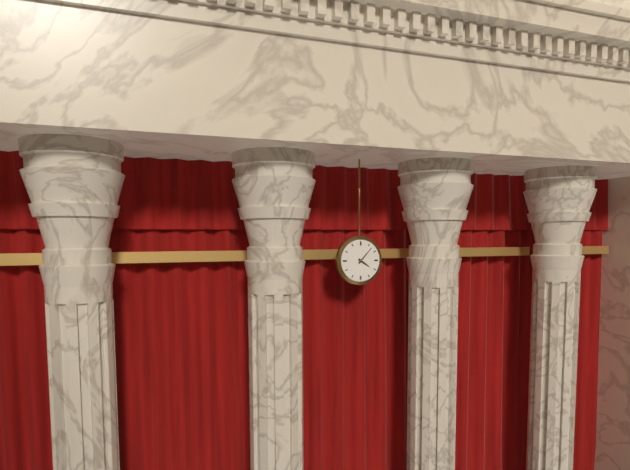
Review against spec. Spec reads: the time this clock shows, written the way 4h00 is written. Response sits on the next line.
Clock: 4h07
